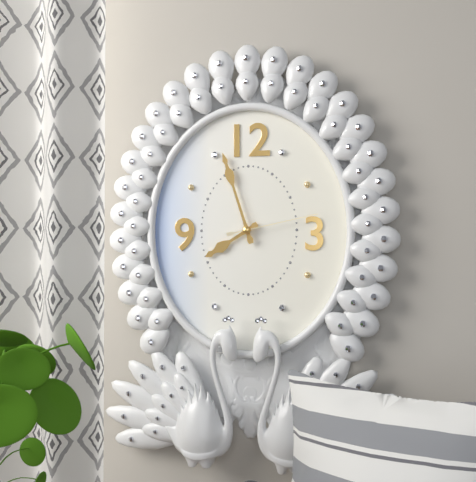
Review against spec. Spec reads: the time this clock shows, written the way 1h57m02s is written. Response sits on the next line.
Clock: 7h57m13s
